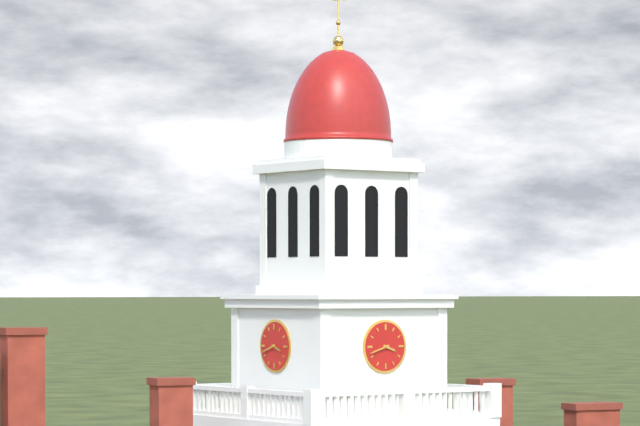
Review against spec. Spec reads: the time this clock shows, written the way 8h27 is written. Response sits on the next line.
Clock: 3h42
